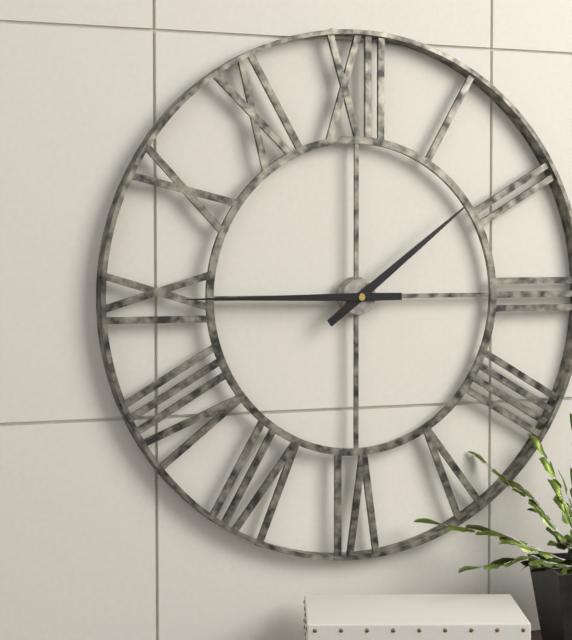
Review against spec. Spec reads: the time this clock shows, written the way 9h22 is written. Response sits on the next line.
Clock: 1h45
